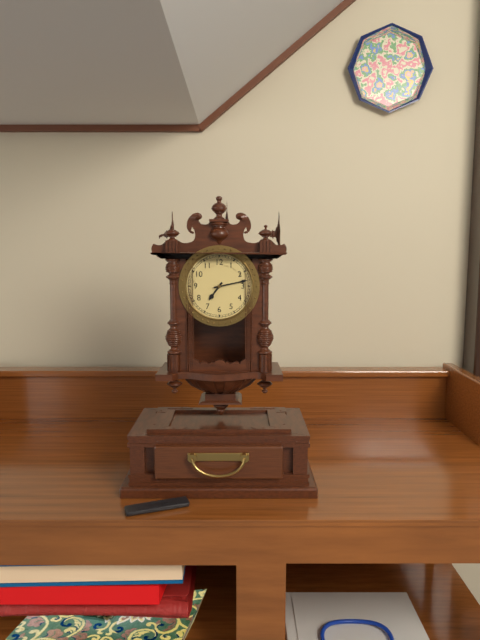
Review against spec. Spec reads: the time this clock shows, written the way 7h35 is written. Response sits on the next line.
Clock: 7h13
